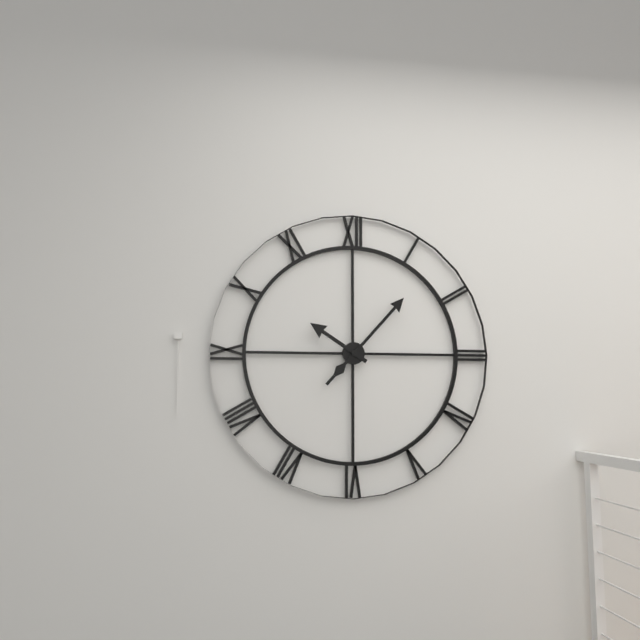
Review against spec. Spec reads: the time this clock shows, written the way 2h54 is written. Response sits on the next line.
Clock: 10h07
